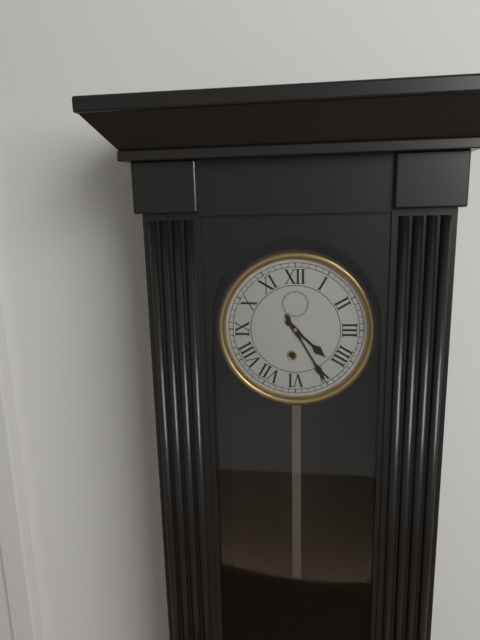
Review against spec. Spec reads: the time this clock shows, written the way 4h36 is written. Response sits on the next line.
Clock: 4h25
